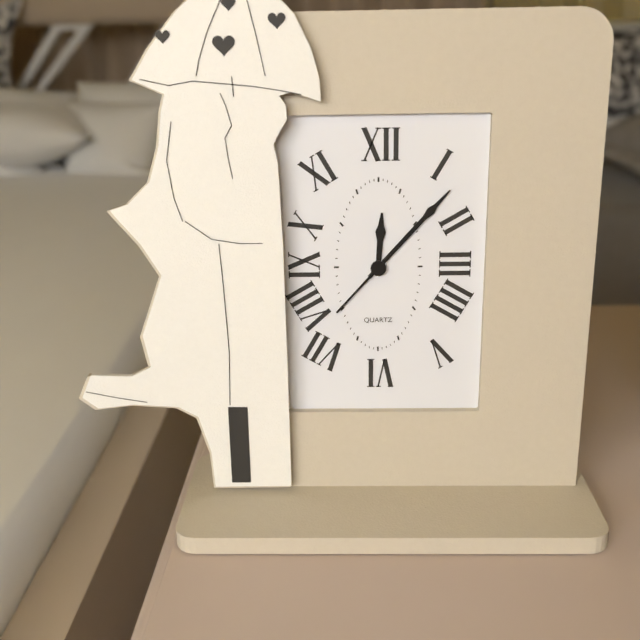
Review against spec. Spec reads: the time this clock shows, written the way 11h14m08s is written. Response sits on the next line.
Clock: 12h07m37s
